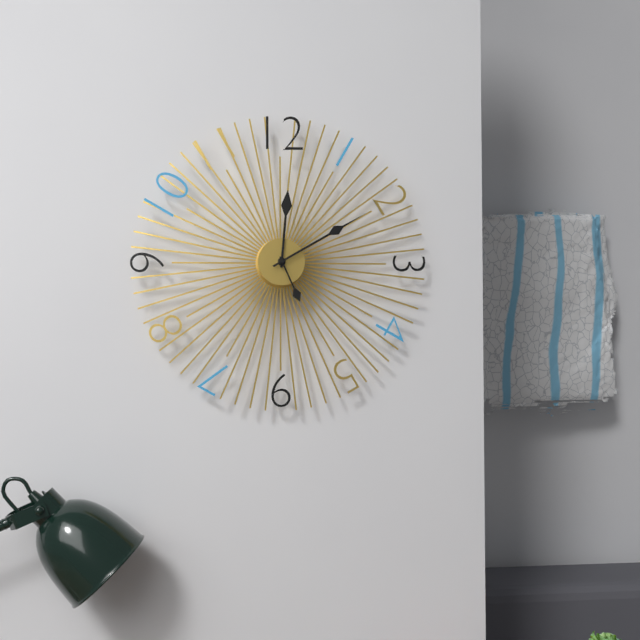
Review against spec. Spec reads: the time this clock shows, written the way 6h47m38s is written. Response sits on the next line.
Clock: 12h10m26s
